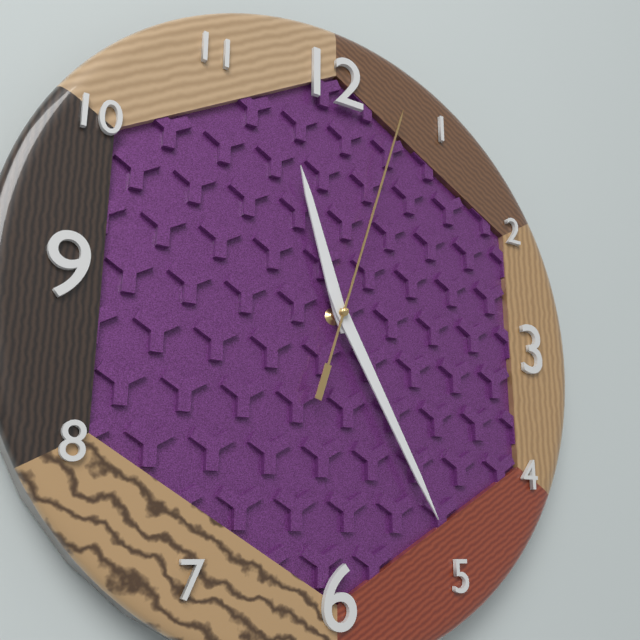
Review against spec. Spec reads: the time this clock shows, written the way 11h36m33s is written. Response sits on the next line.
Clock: 11h25m03s
